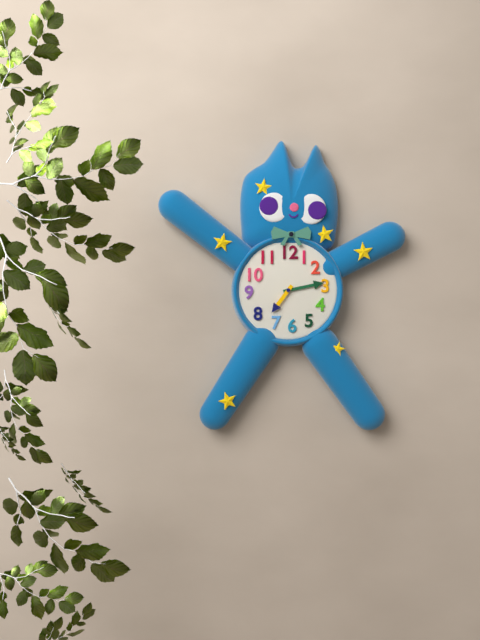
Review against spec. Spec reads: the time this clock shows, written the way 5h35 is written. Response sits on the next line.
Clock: 7h13
